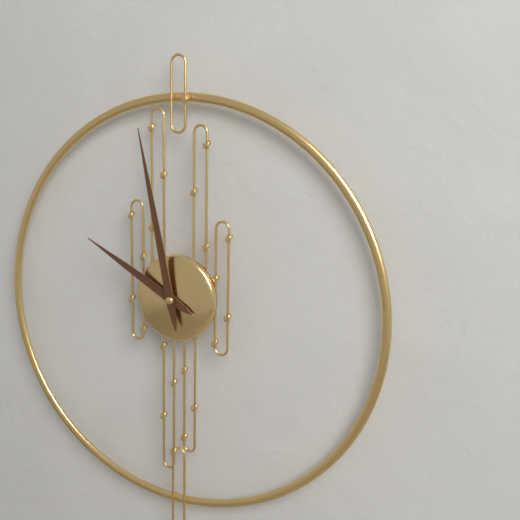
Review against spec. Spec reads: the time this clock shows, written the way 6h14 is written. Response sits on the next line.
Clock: 9h58
